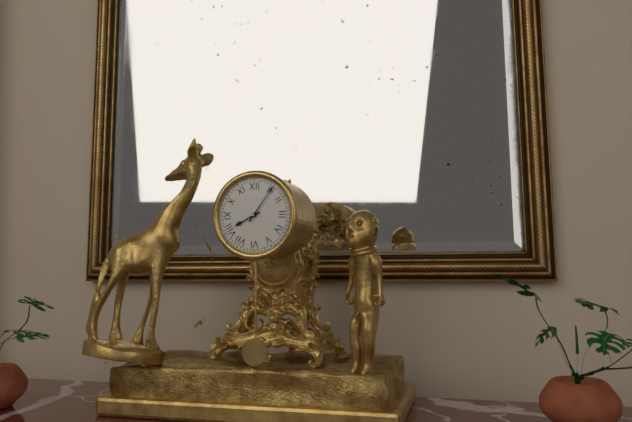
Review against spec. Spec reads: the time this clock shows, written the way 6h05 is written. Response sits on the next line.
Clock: 8h06
